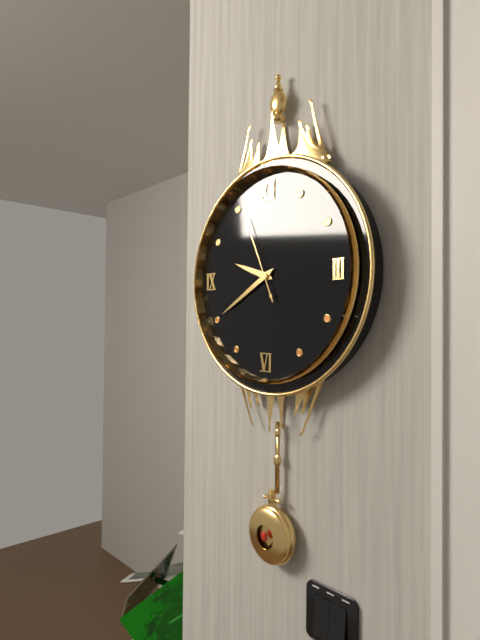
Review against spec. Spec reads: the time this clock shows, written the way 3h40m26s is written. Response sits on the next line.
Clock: 9h40m56s
